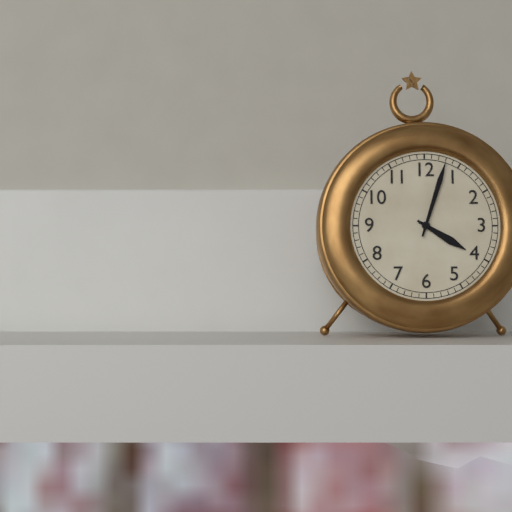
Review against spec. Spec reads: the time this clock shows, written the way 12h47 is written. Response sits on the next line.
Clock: 4h03
